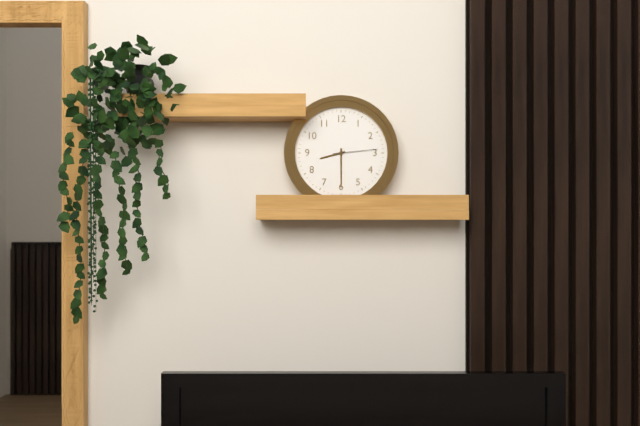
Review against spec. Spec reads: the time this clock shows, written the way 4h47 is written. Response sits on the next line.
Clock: 8h30
